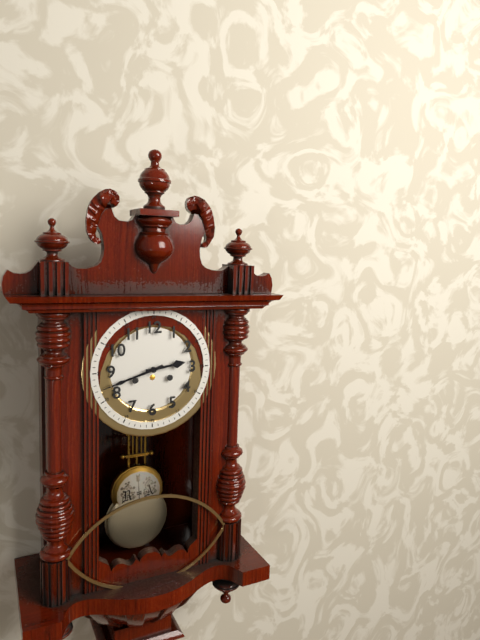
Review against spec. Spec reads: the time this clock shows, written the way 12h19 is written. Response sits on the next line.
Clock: 2h42
